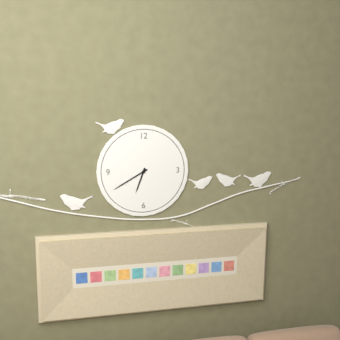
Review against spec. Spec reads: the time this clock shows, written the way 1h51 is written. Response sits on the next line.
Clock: 6h40
